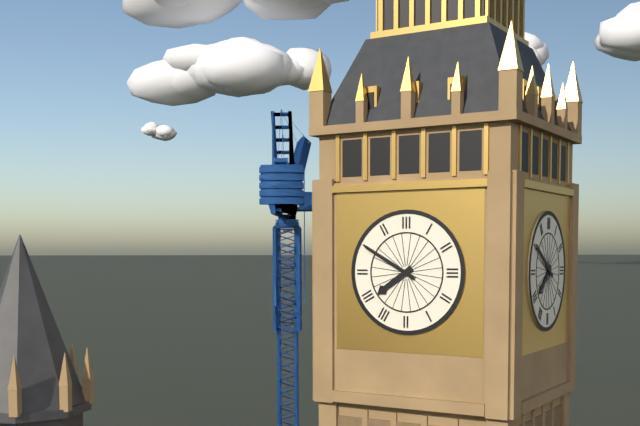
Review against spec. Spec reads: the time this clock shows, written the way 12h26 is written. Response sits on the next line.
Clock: 7h50
